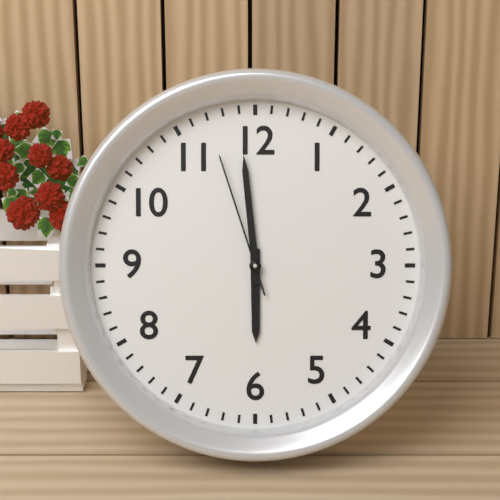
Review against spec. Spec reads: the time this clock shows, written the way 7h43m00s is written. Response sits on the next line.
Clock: 5h59m57s
